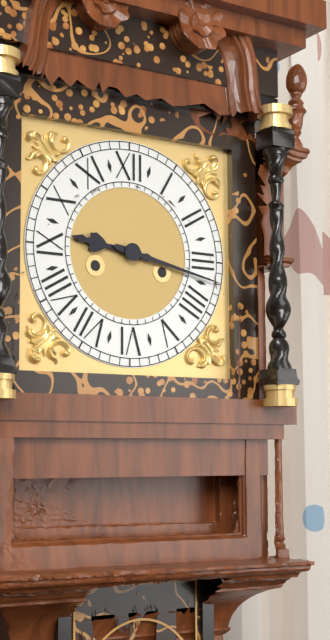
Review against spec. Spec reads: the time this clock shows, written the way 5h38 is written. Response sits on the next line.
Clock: 9h17
